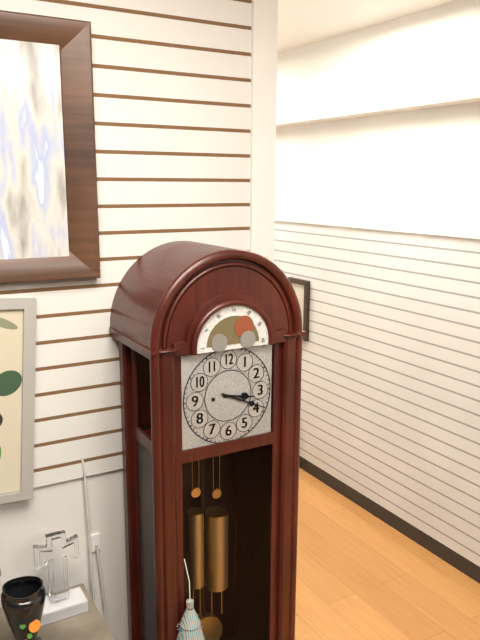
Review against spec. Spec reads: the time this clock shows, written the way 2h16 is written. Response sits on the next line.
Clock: 3h19
